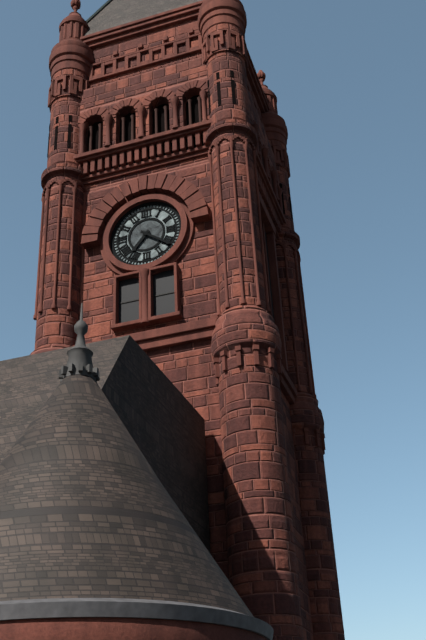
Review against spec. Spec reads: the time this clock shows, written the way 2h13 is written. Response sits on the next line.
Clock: 7h21
